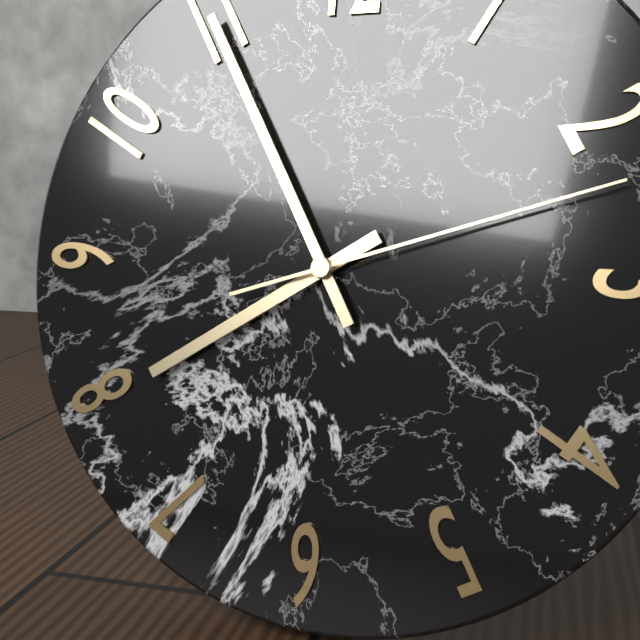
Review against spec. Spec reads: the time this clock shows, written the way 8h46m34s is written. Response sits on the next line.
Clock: 7h55m12s
